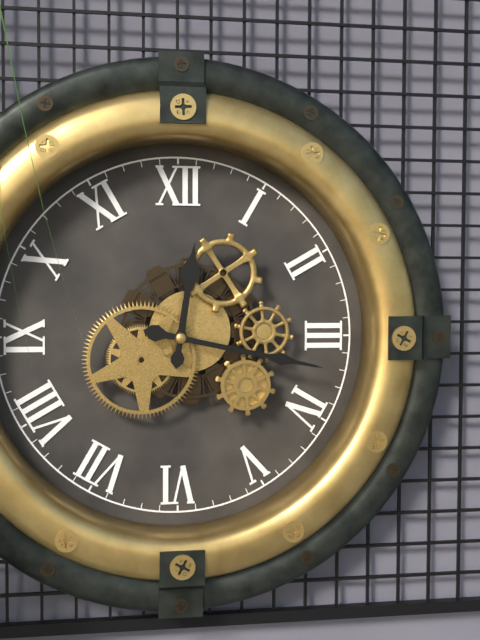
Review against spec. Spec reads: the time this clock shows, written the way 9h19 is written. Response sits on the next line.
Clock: 12h17
